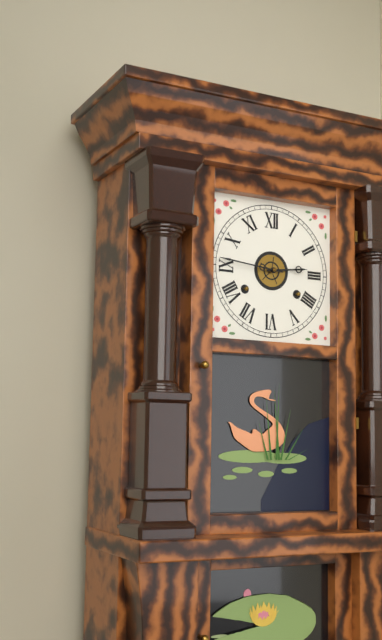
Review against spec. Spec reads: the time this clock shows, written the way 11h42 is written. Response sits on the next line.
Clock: 2h46
